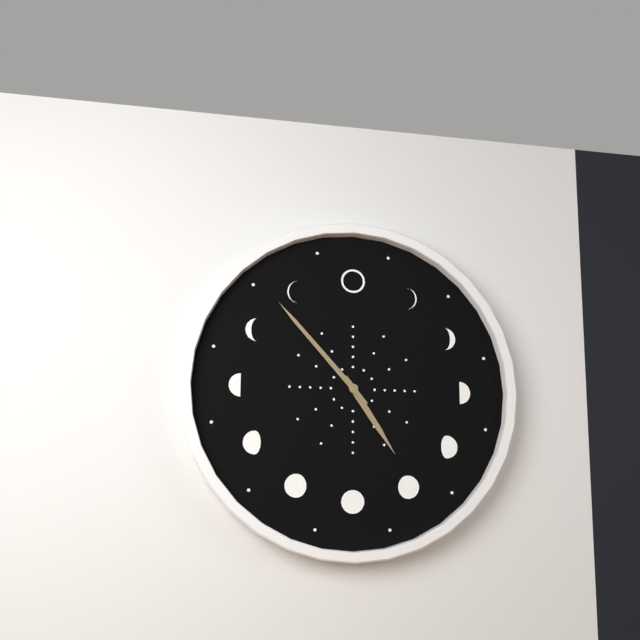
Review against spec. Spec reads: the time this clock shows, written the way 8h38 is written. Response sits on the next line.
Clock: 4h53
